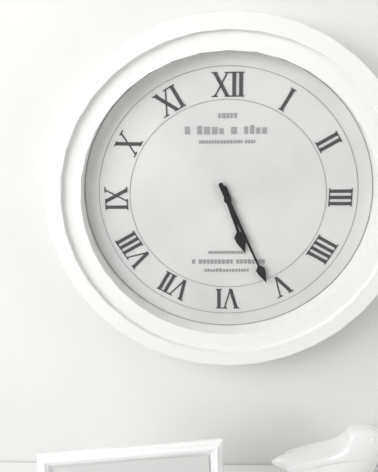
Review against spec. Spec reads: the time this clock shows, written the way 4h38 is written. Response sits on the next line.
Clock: 5h26
